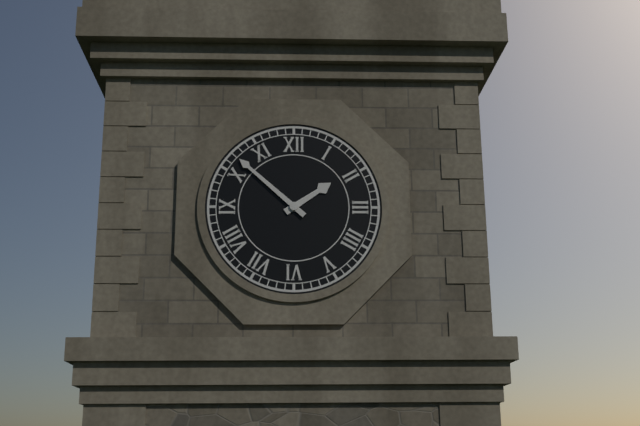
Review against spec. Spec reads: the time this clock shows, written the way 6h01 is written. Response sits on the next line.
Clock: 1h52
